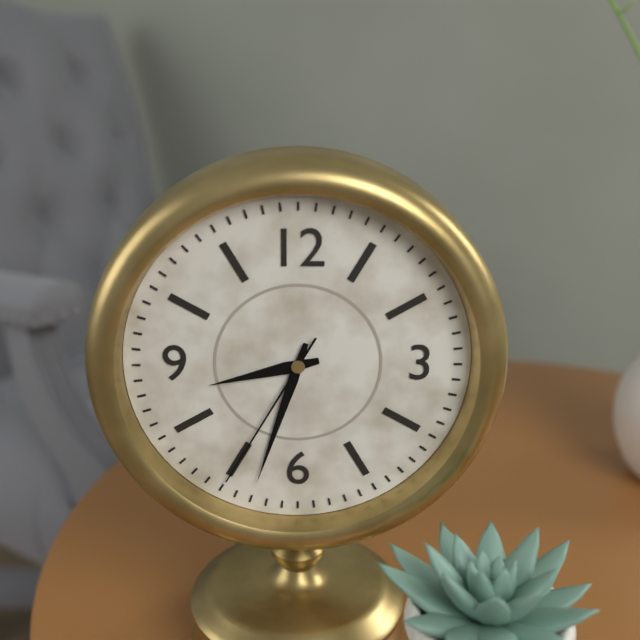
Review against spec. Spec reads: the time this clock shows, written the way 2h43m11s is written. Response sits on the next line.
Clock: 8h33m35s
